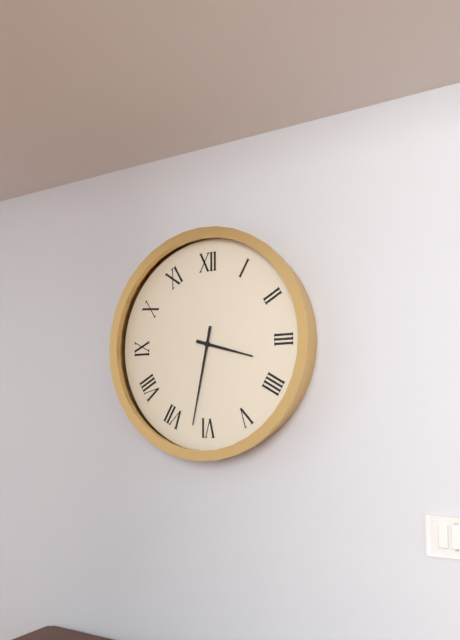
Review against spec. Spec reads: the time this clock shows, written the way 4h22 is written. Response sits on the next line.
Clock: 3h32
